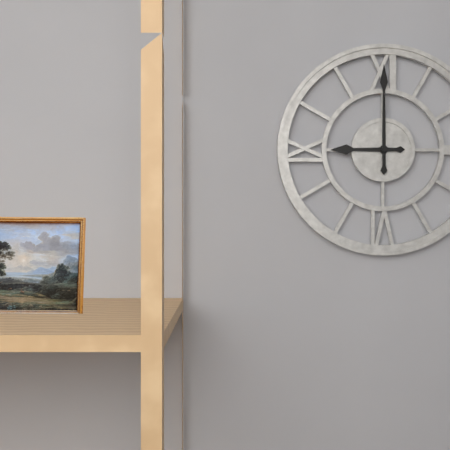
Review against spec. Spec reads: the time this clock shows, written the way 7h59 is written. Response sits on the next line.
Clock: 9h00
